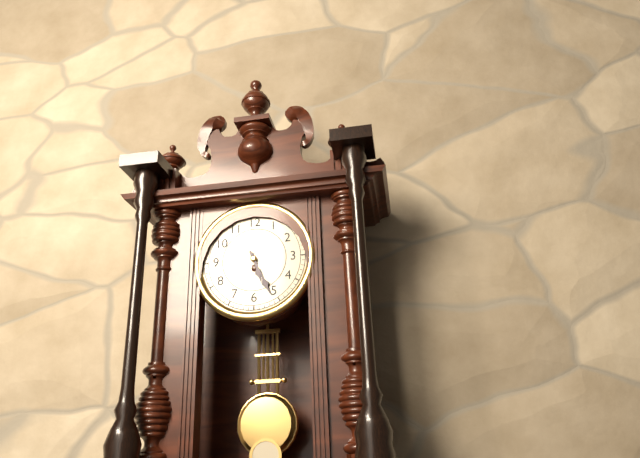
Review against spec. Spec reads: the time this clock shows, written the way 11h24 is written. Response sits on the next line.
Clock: 5h26
